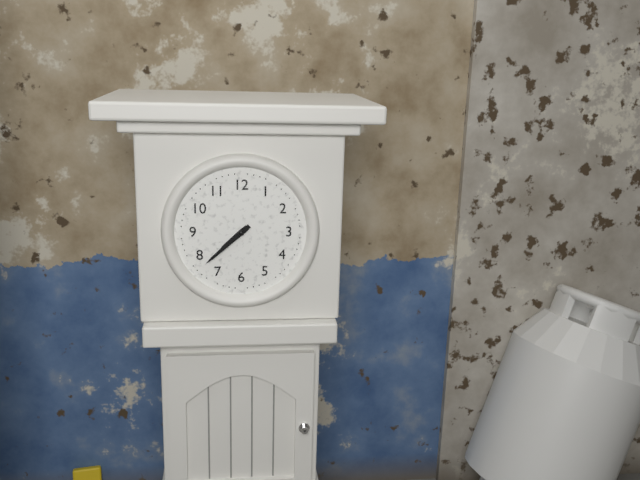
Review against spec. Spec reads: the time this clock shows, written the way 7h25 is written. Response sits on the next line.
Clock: 7h38
